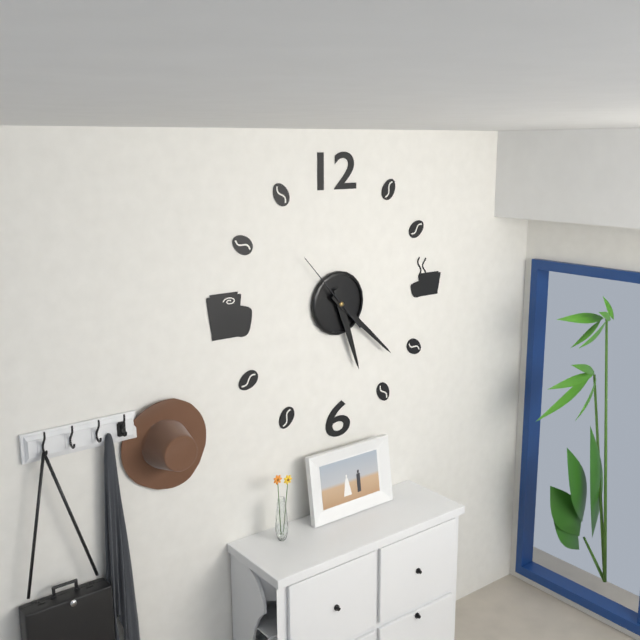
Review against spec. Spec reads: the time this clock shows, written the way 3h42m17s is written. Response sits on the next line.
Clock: 5h22m53s
